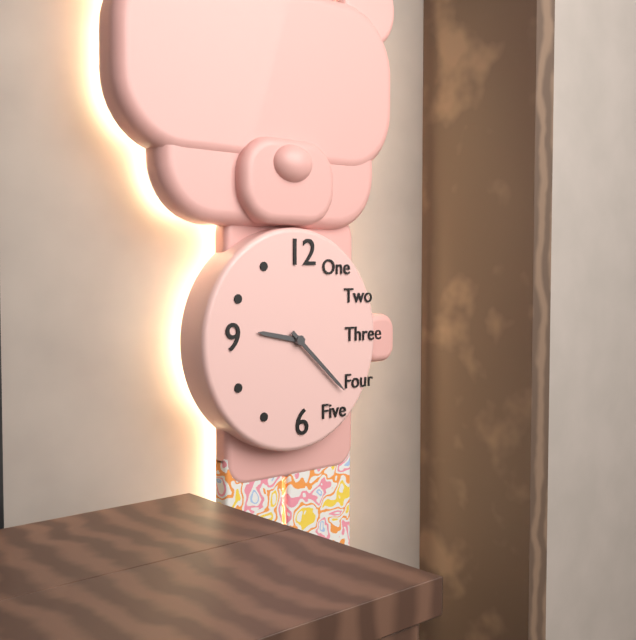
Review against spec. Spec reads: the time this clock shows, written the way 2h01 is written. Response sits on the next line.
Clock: 9h22
